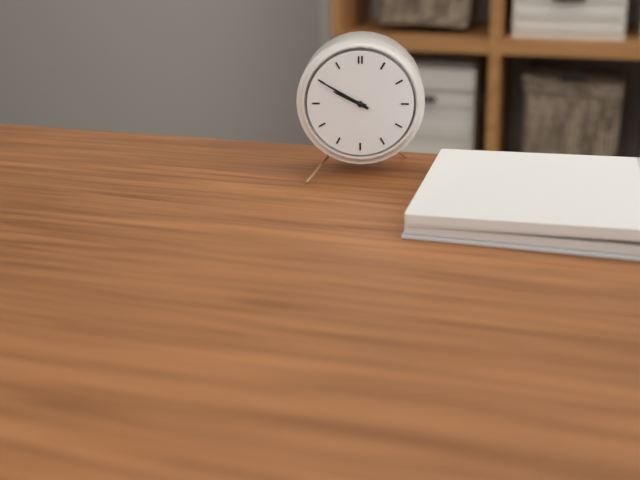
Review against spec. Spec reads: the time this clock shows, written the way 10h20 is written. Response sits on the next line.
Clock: 9h50
